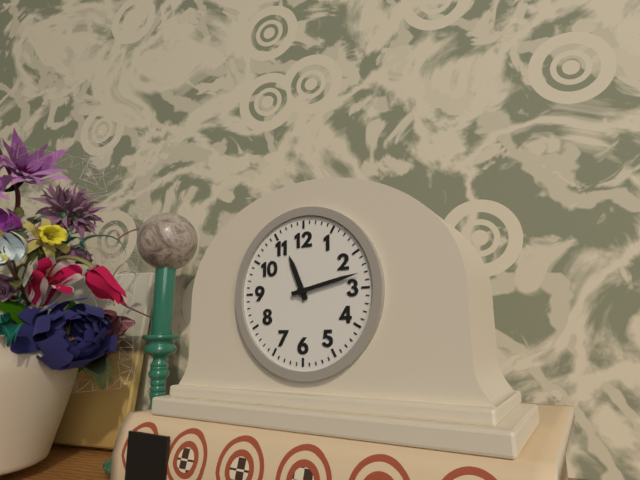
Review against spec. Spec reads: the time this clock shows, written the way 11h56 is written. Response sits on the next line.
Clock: 11h13
